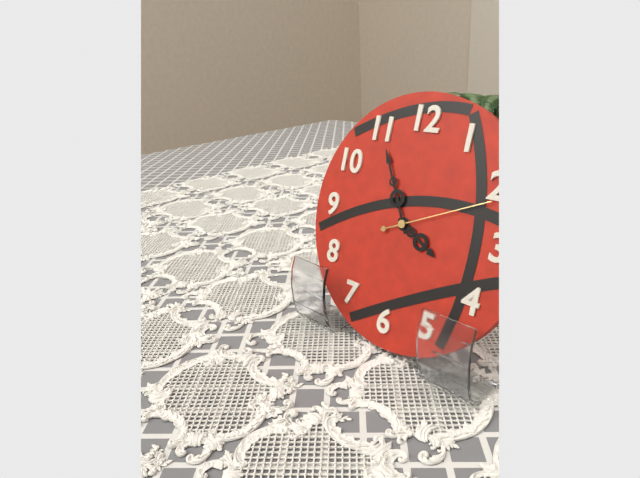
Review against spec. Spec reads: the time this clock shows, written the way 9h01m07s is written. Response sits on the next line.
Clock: 3h55m11s
